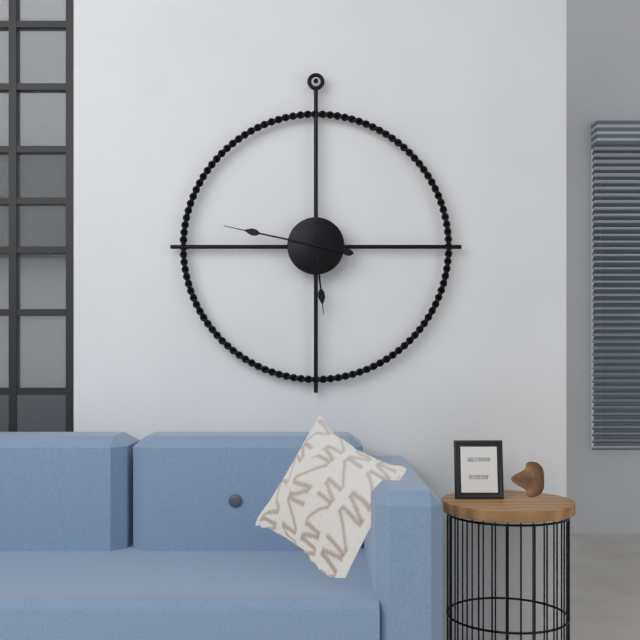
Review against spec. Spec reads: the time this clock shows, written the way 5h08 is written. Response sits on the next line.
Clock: 5h47
